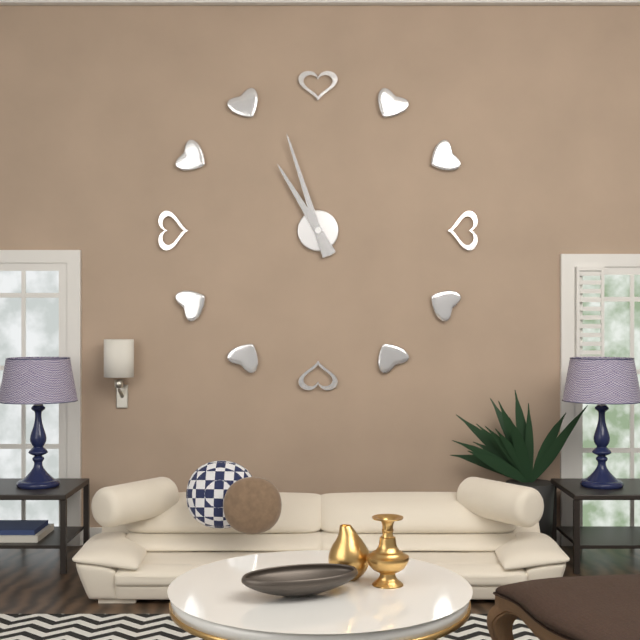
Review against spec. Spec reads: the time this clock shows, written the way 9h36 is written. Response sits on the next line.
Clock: 10h57
